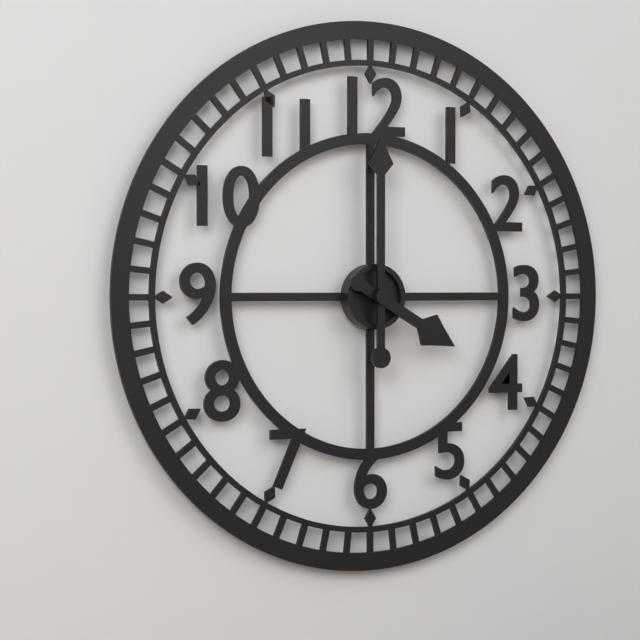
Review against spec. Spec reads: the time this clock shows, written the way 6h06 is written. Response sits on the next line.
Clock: 4h00
